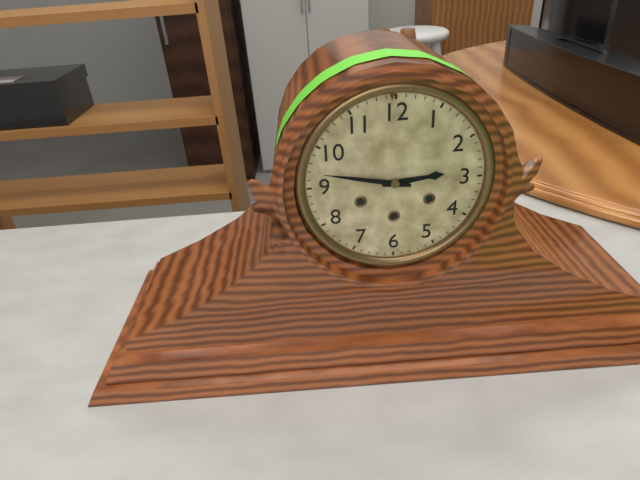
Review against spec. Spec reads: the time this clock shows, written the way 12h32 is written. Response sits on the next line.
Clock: 2h47
